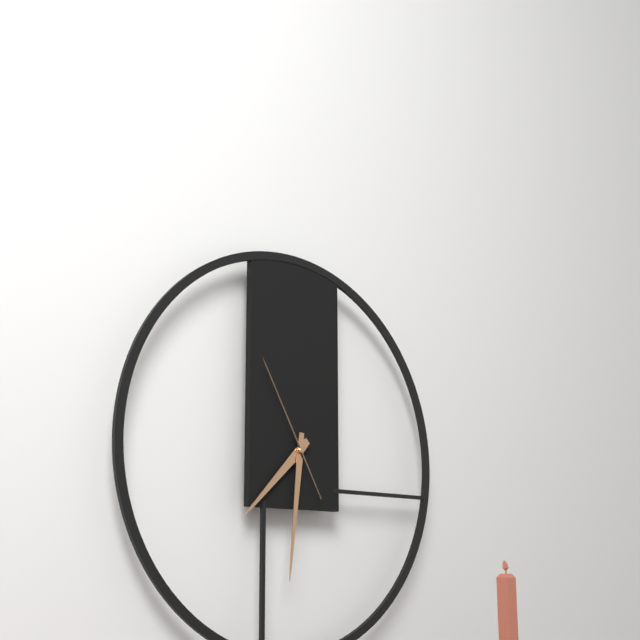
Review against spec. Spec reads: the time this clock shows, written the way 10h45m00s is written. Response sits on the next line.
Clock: 7h31m55s
